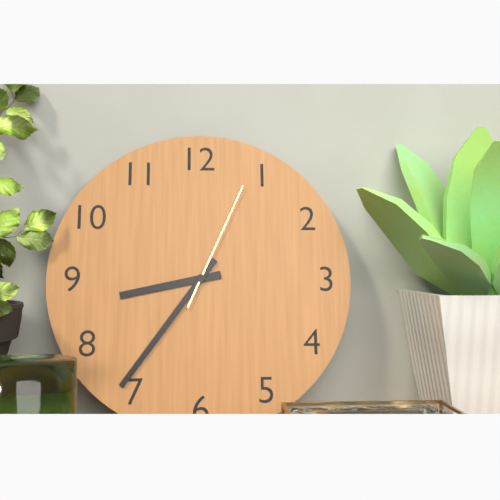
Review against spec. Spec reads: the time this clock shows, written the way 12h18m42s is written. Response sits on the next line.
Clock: 8h36m04s
